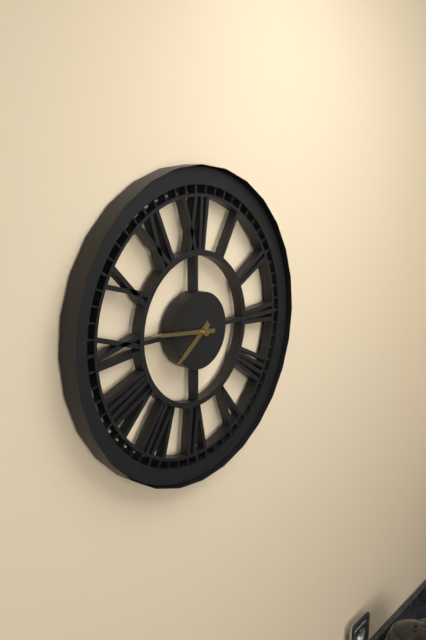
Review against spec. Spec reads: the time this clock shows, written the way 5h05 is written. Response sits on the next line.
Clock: 7h46
